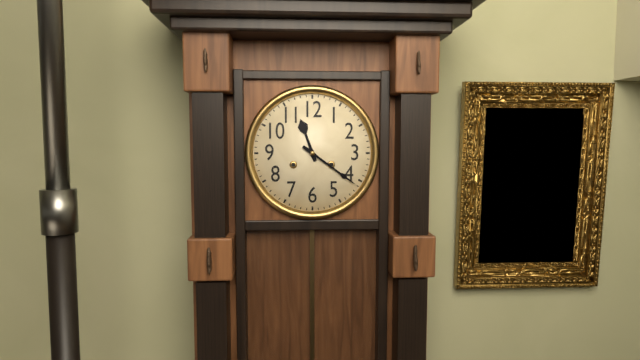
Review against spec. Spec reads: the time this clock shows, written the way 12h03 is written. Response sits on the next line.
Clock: 11h21
